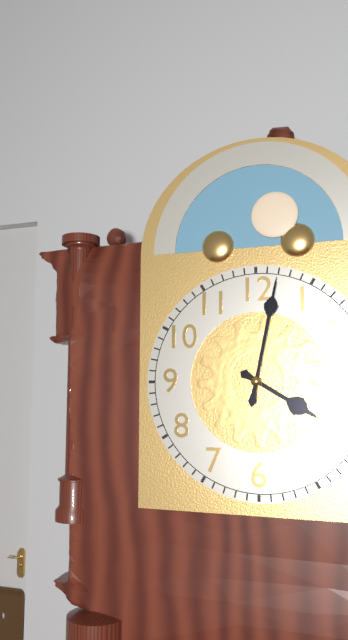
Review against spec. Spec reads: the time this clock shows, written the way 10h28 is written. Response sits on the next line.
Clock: 4h02
